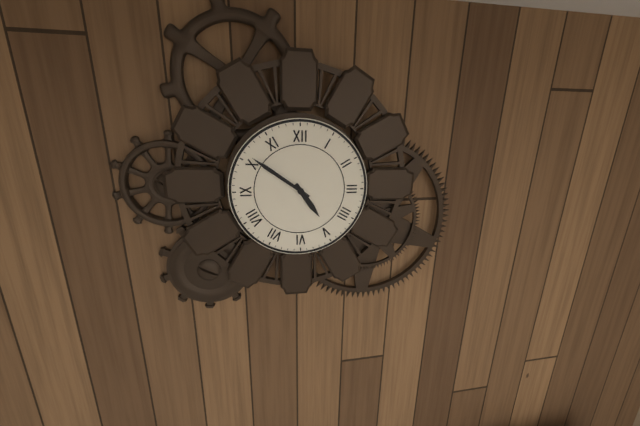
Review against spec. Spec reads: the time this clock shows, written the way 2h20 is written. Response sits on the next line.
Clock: 4h51
